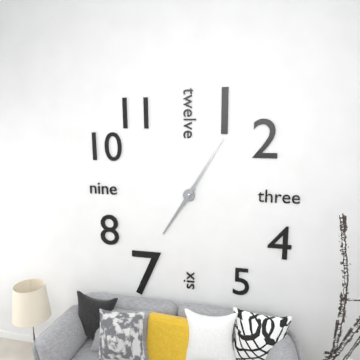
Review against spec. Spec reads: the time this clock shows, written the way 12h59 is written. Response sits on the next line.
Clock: 7h05
